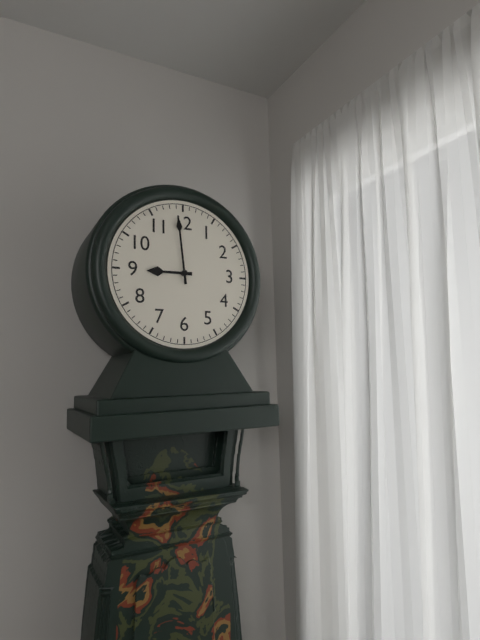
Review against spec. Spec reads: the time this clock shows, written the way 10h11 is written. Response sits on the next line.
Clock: 8h59
